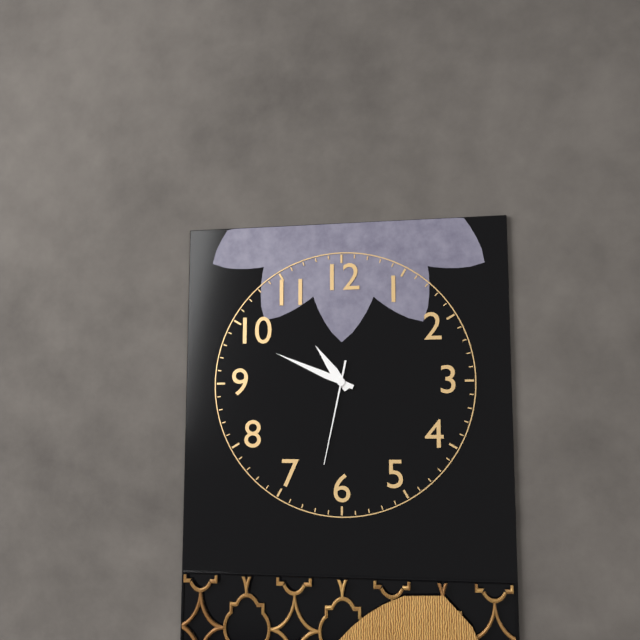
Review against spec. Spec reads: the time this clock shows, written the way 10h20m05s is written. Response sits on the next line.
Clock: 10h49m32s
